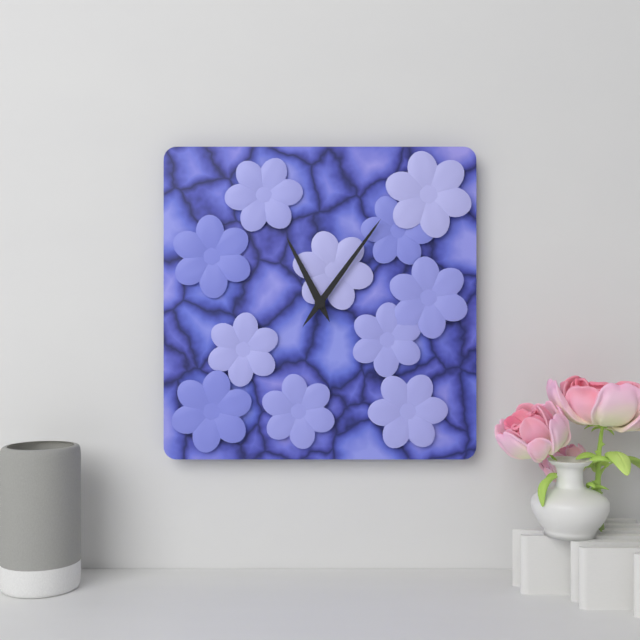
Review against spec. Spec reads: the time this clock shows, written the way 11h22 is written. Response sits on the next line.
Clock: 11h06
